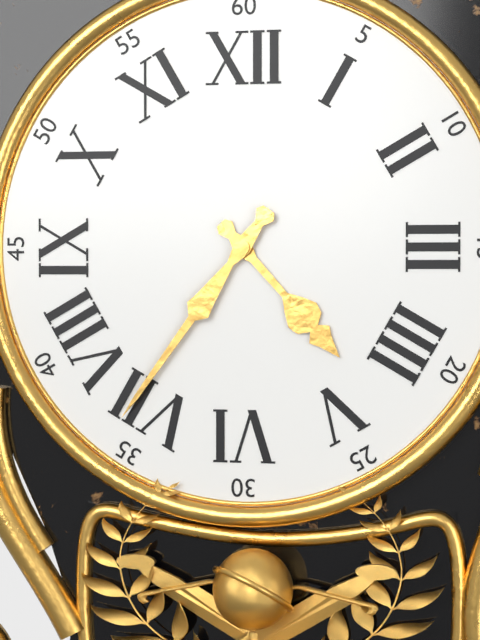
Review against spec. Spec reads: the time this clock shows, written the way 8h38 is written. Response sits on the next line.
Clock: 4h36
